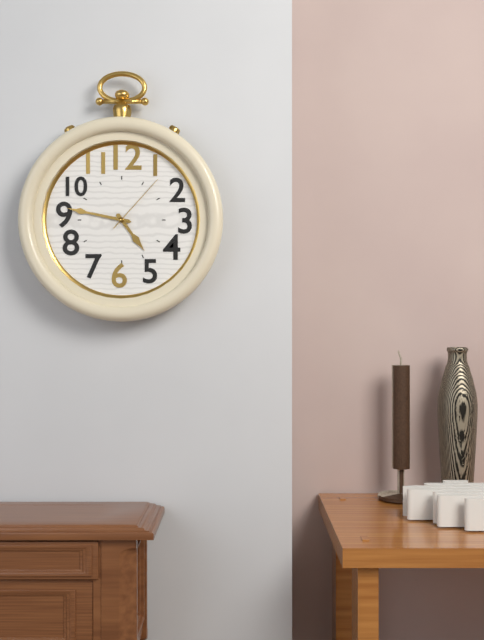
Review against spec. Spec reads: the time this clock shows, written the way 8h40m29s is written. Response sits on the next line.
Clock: 4h47m07s
